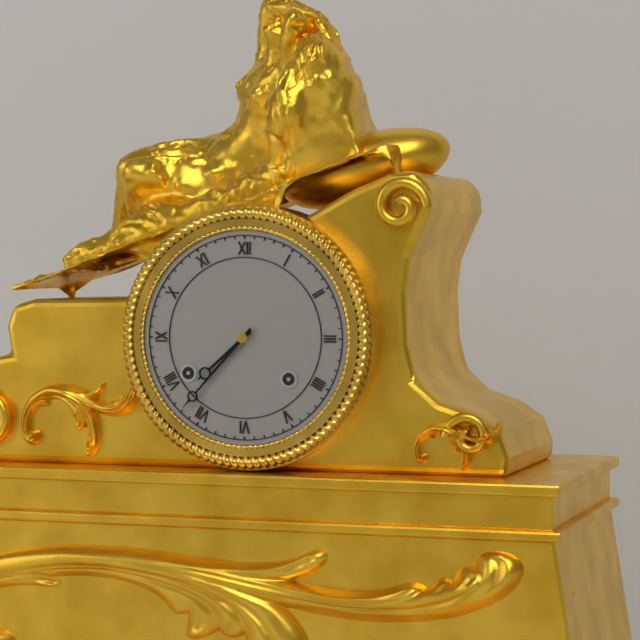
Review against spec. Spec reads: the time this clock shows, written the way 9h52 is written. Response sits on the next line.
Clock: 7h37
